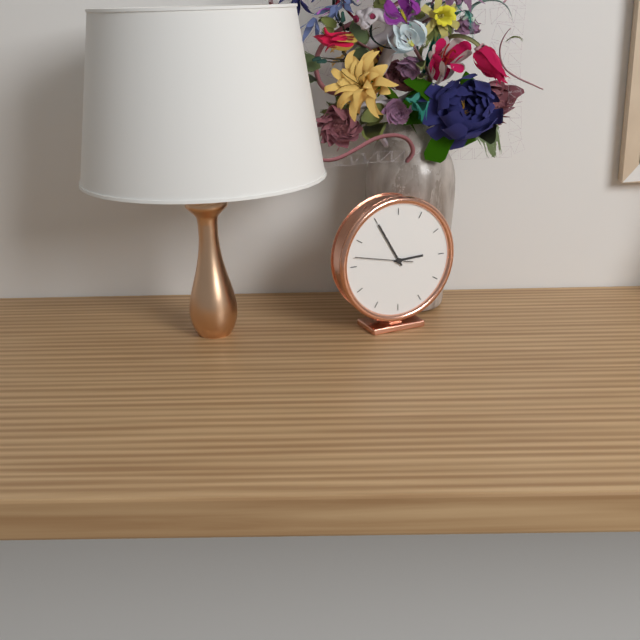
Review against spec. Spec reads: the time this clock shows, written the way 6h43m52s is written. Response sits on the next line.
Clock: 2h55m47s
